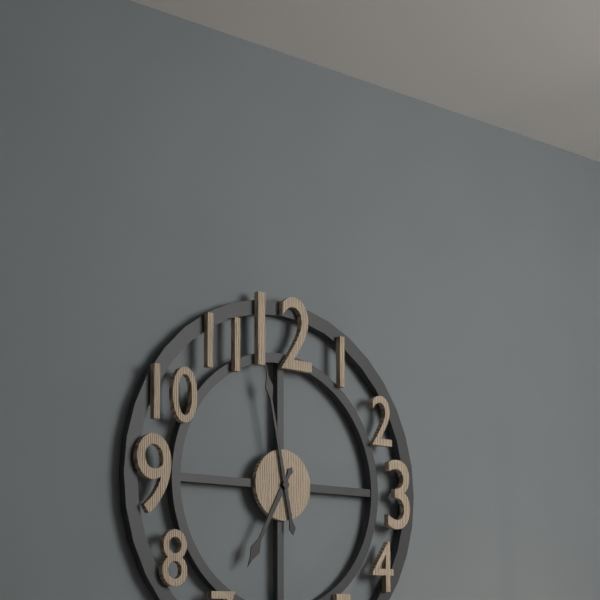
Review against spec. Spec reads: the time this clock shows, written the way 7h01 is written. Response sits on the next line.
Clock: 6h58
